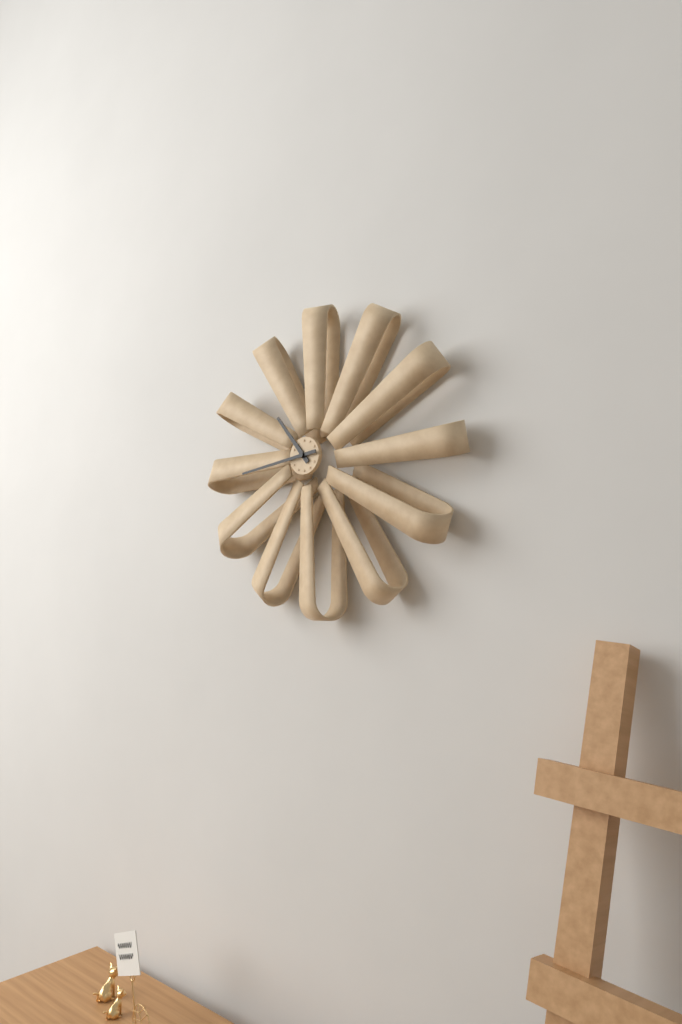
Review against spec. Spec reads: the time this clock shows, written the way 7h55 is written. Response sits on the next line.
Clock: 10h44
